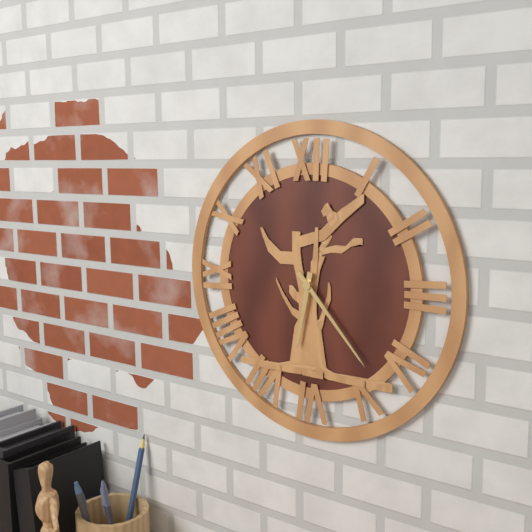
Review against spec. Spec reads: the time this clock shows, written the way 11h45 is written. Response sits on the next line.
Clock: 6h23
